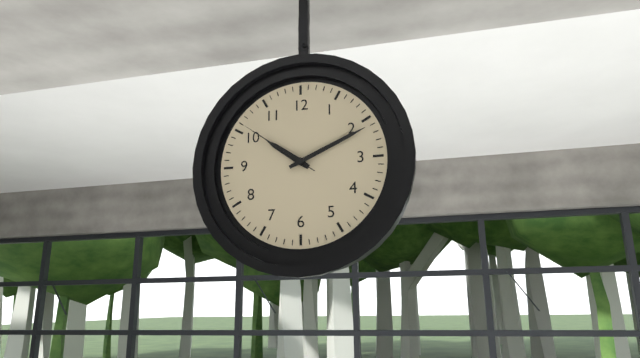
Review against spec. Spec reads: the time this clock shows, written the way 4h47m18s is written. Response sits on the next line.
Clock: 10h11m51s
